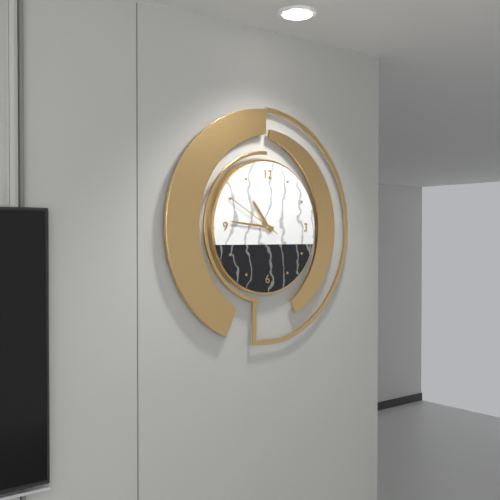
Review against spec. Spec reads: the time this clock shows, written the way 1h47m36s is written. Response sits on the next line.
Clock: 10h46m50s
